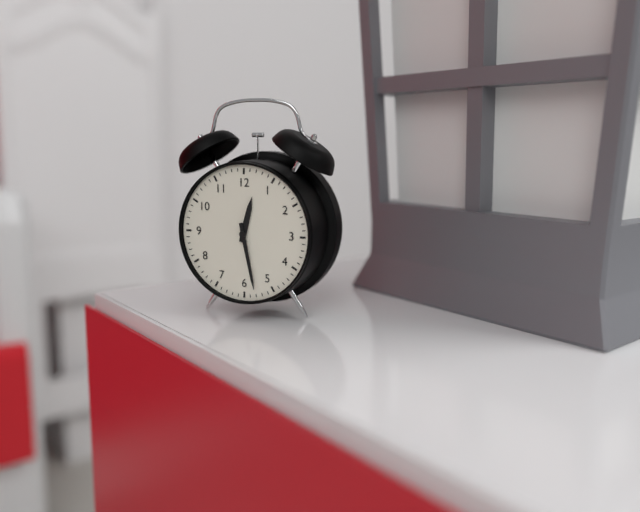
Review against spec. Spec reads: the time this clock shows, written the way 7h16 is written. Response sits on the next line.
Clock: 12h28
